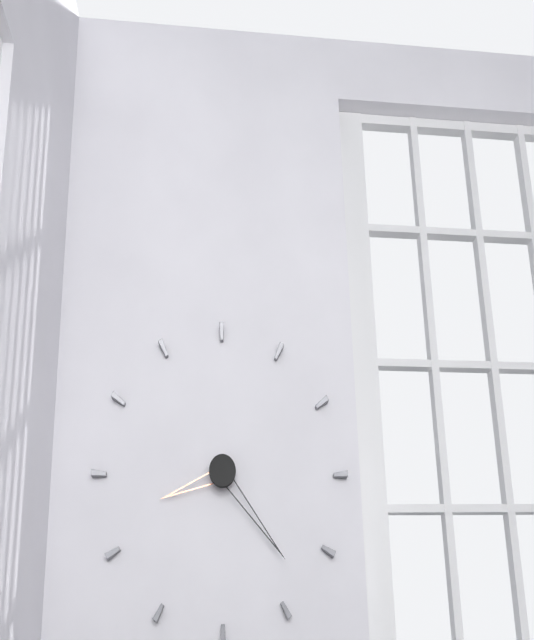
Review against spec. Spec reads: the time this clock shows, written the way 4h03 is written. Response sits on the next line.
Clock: 8h23
